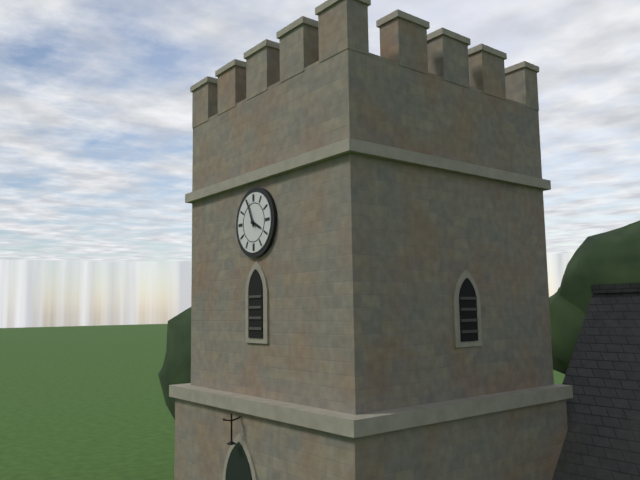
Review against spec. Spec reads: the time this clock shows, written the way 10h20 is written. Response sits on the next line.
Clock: 3h56
